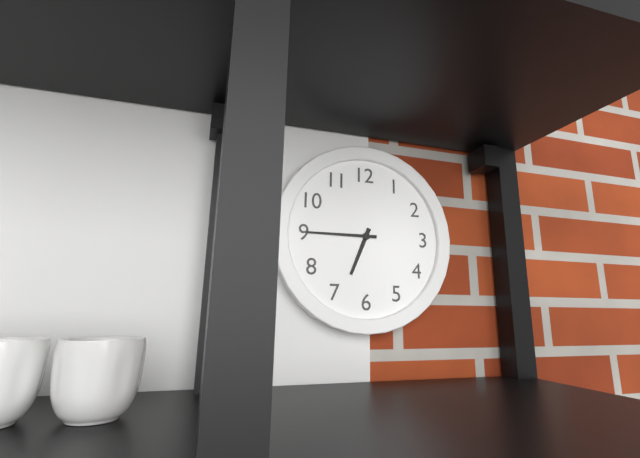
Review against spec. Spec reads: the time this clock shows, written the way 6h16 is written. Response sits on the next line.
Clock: 6h45
